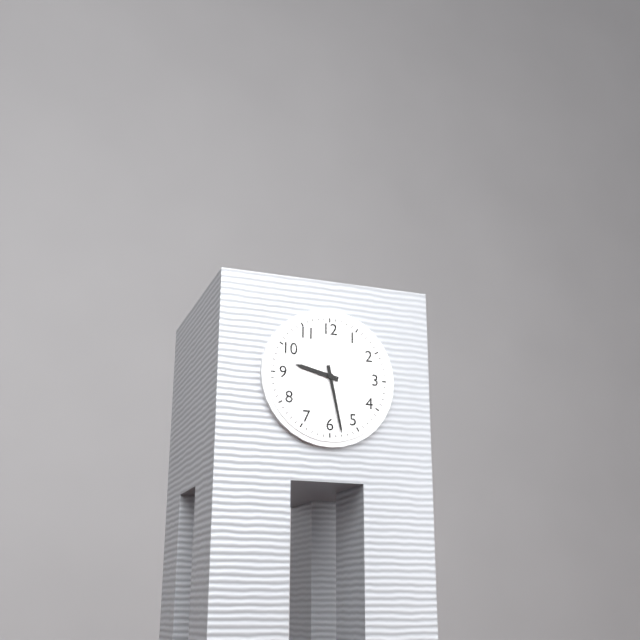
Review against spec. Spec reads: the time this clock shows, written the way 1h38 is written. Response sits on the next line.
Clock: 9h28
